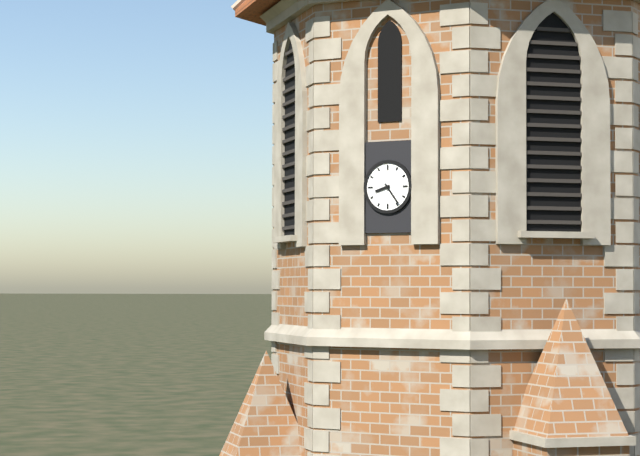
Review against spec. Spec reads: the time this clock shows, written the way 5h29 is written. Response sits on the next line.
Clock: 8h24
